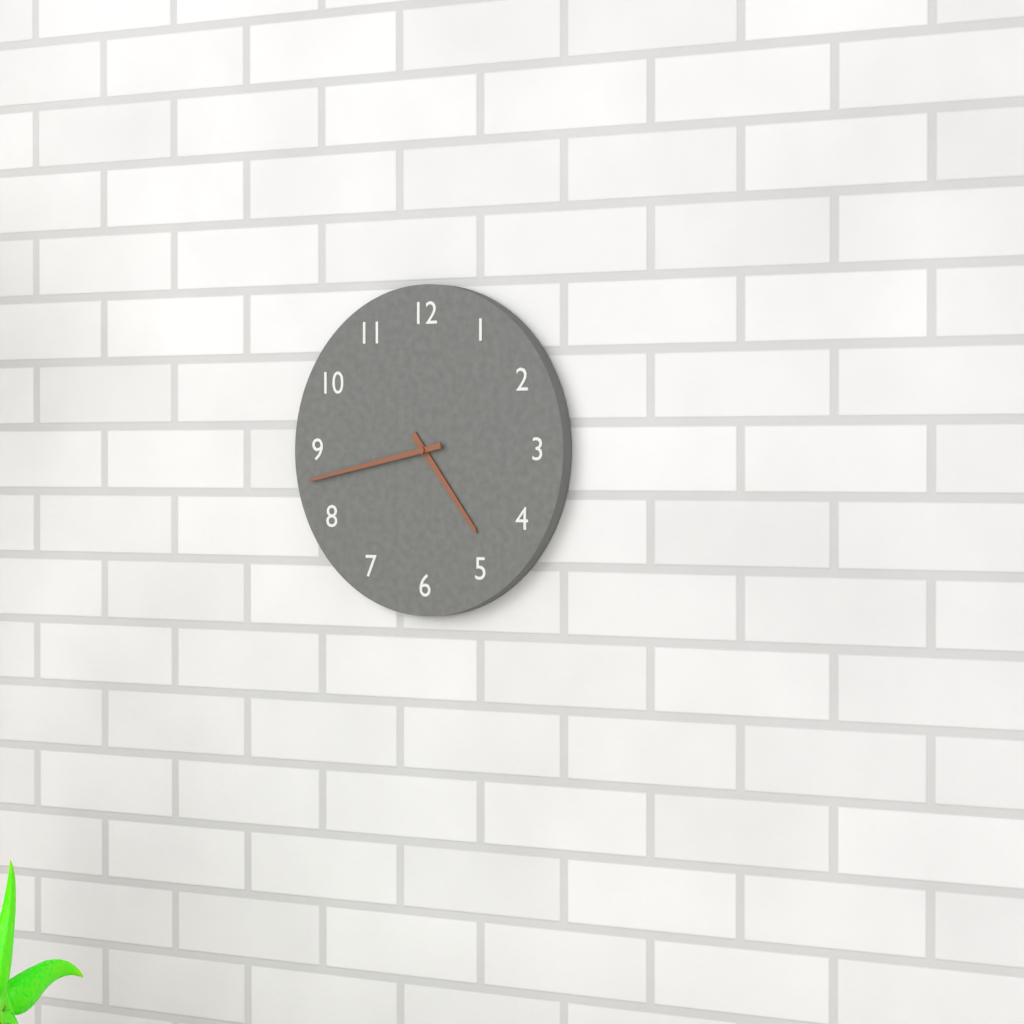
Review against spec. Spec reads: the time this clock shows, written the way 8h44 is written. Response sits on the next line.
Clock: 4h43
